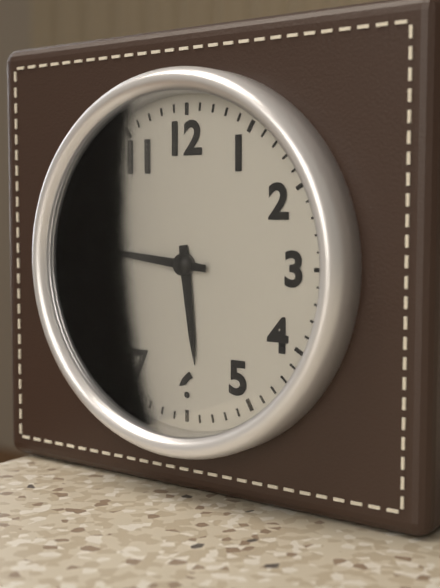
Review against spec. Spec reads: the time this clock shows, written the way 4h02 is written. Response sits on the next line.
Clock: 5h46
